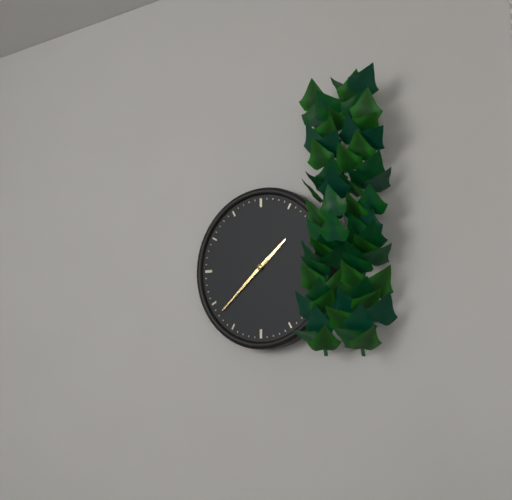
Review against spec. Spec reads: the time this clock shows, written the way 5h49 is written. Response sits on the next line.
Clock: 1h38
